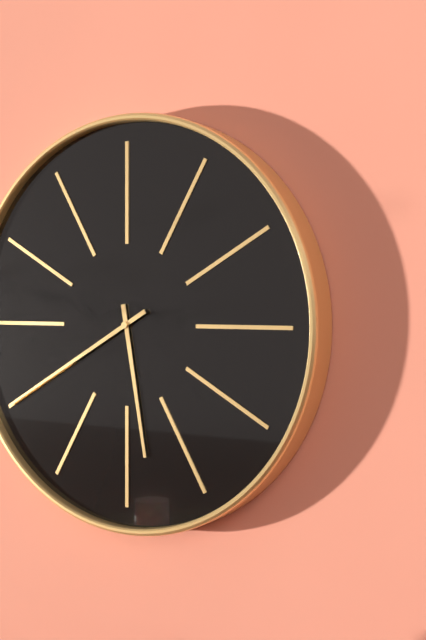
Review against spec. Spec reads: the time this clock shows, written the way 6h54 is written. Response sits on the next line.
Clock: 5h40
